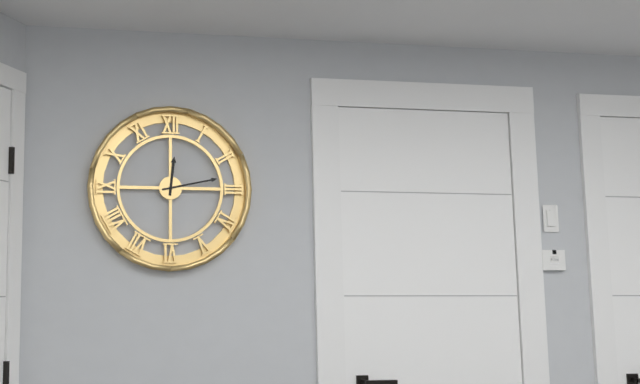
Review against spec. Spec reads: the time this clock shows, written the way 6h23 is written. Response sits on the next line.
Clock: 12h13
